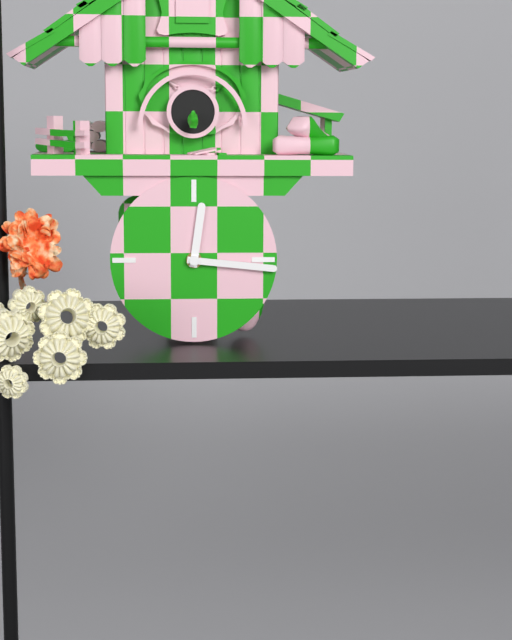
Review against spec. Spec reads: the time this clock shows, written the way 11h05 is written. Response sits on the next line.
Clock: 12h16
